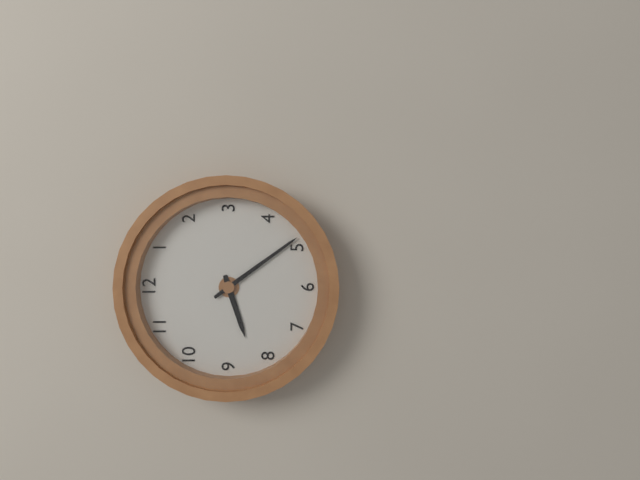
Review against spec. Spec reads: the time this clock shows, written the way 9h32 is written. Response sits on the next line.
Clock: 8h24
